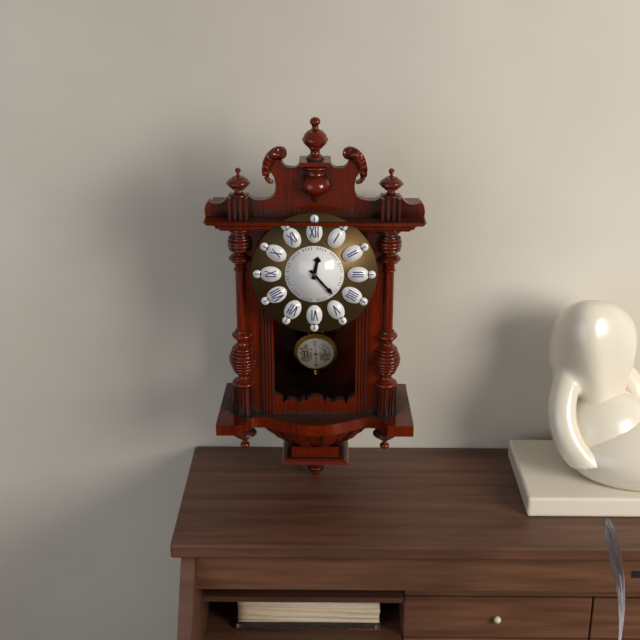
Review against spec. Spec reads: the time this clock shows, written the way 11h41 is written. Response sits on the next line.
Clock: 12h23
